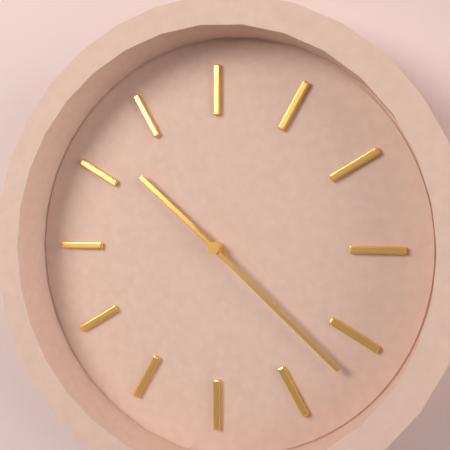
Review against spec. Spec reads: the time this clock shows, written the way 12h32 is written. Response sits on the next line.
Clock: 10h22
